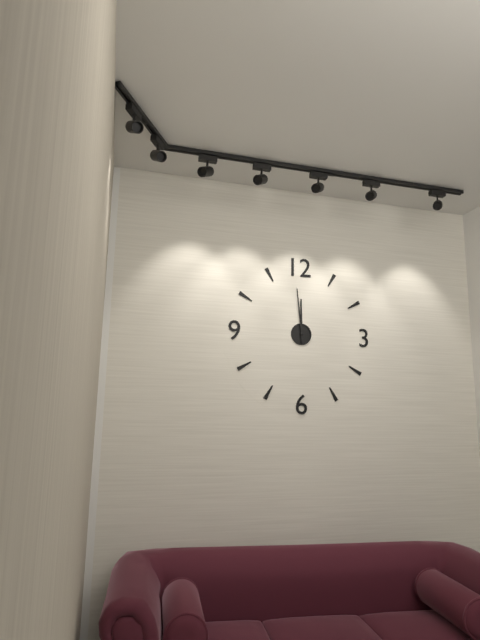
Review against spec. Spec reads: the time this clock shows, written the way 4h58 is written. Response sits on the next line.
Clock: 11h59
